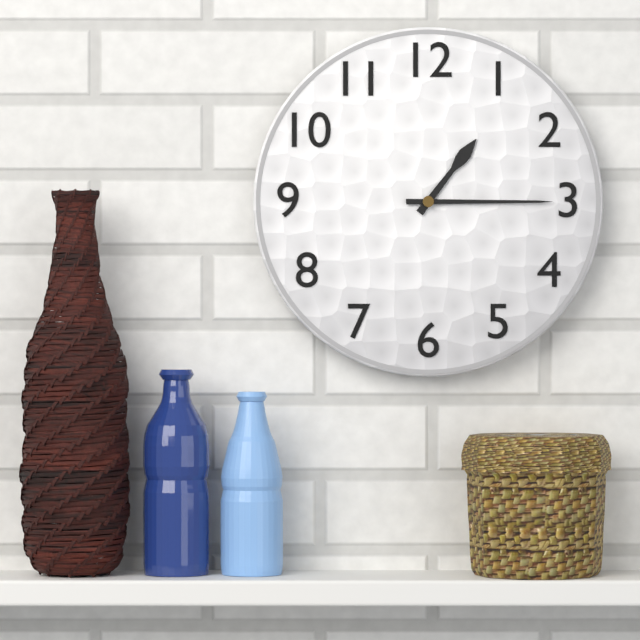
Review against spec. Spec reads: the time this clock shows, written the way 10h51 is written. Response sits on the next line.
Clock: 1h15
